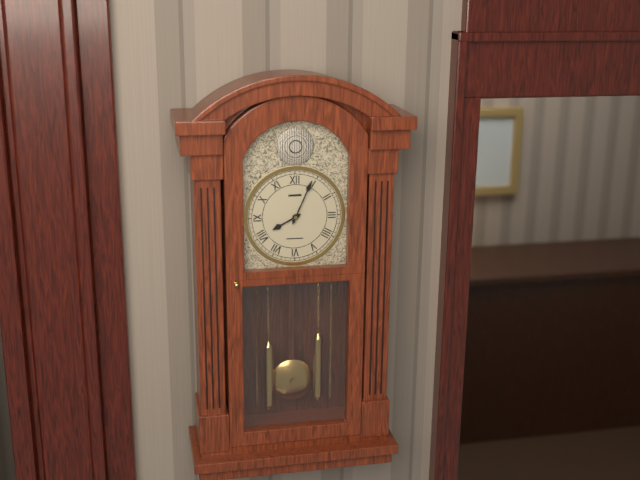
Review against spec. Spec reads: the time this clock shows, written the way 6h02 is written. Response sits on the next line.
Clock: 8h04
